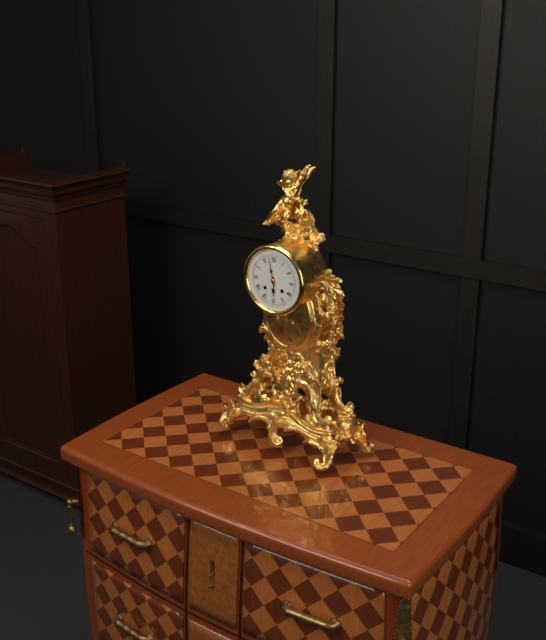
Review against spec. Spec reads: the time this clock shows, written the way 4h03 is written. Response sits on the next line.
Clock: 5h58
